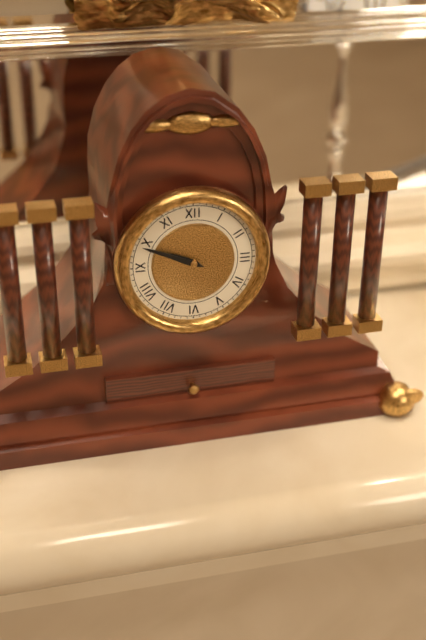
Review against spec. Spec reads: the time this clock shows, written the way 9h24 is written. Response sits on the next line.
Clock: 9h49
